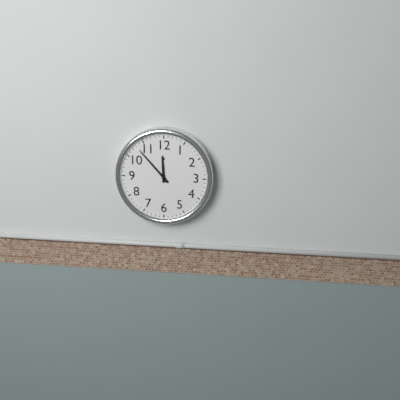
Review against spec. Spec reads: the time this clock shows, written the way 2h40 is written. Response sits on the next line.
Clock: 11h53
